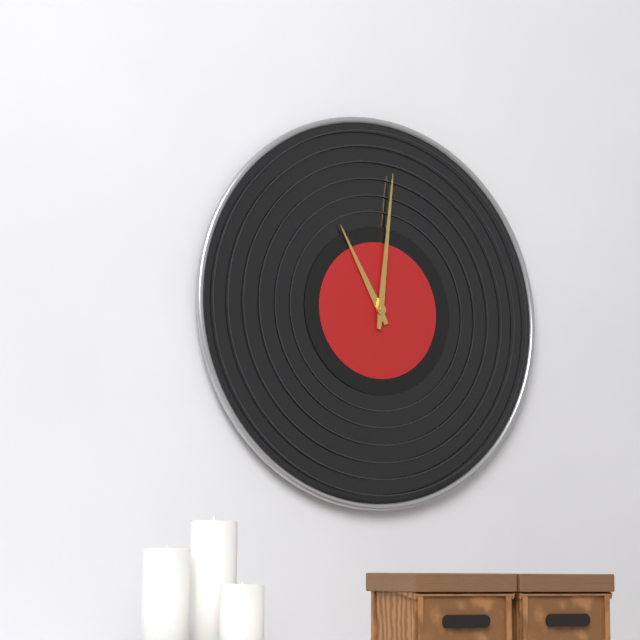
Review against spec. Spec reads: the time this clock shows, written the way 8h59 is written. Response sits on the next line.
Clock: 11h01
